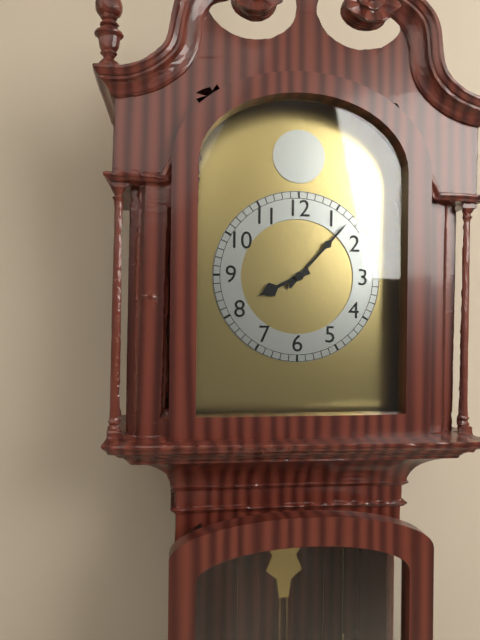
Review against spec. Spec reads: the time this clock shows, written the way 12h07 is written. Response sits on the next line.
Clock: 8h07
